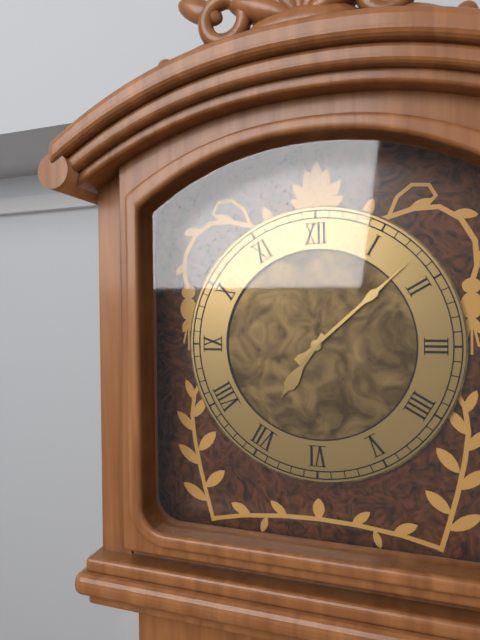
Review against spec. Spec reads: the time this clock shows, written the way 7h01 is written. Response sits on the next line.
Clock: 7h08
